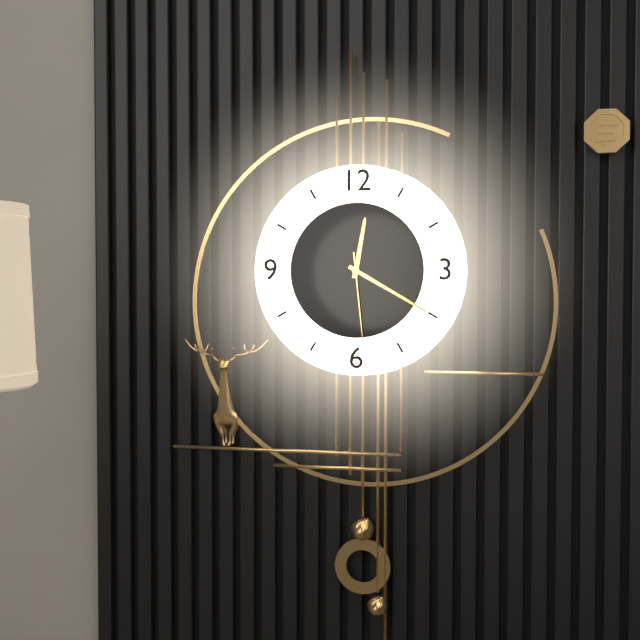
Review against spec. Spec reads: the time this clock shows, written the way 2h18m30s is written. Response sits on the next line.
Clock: 12h20m29s
